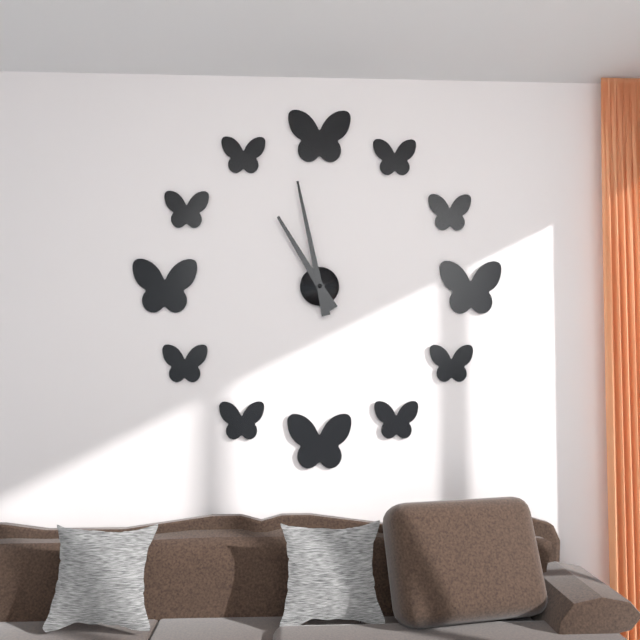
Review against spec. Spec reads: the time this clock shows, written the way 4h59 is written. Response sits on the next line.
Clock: 10h58
